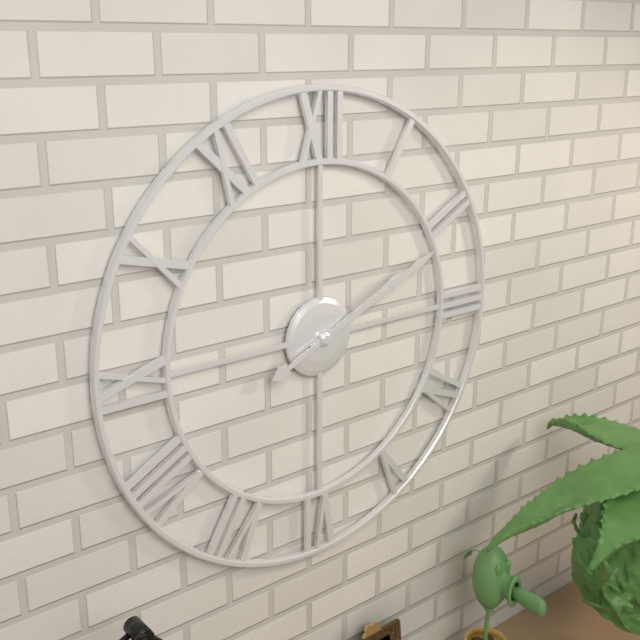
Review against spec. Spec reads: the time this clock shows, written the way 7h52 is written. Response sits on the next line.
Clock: 2h11
